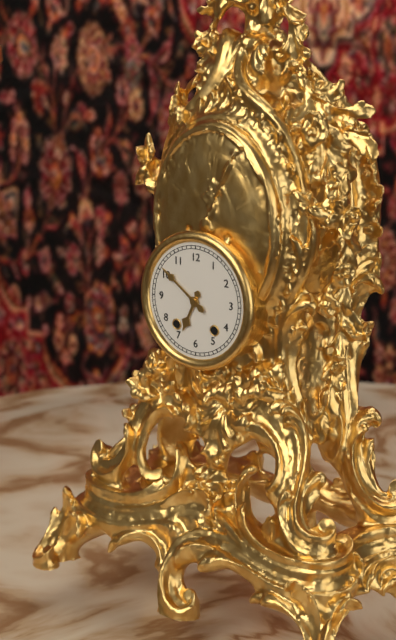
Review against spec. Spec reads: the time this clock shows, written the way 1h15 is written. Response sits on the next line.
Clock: 6h51
